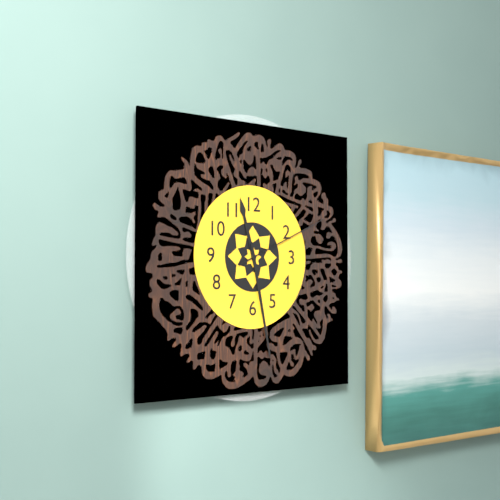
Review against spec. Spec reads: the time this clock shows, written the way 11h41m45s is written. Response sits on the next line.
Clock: 11h28m11s
